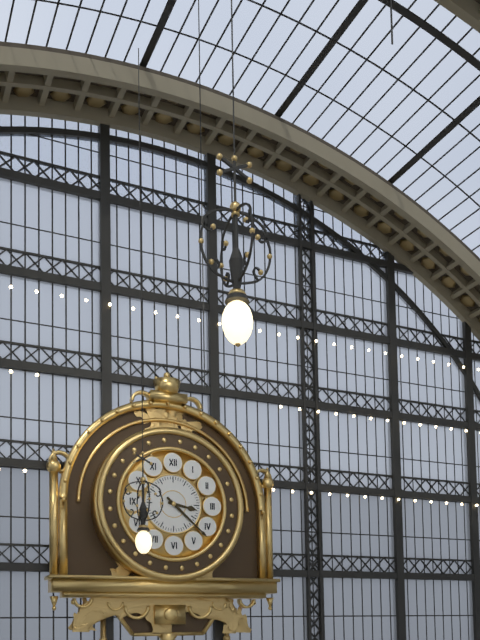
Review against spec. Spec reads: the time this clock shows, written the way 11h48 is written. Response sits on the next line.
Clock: 3h22
